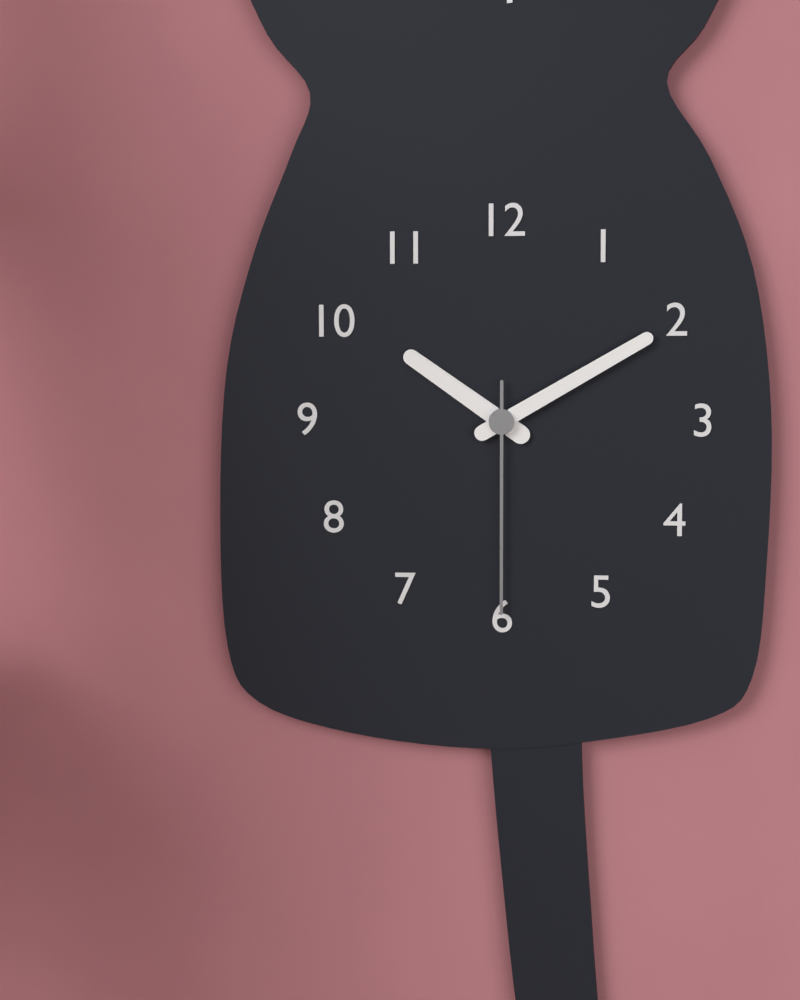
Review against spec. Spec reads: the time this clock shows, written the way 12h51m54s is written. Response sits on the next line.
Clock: 10h10m30s
